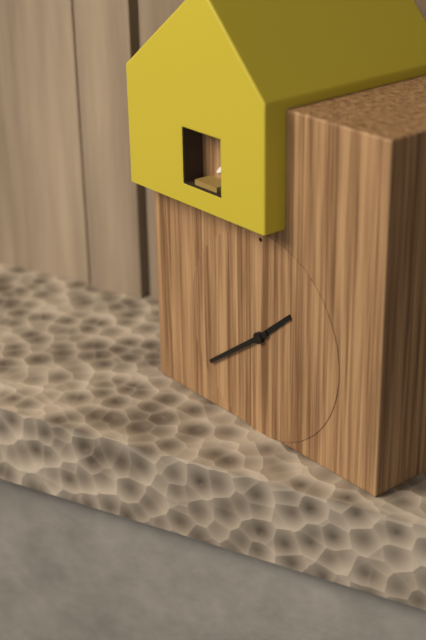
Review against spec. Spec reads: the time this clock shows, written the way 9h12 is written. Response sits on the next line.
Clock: 1h39
